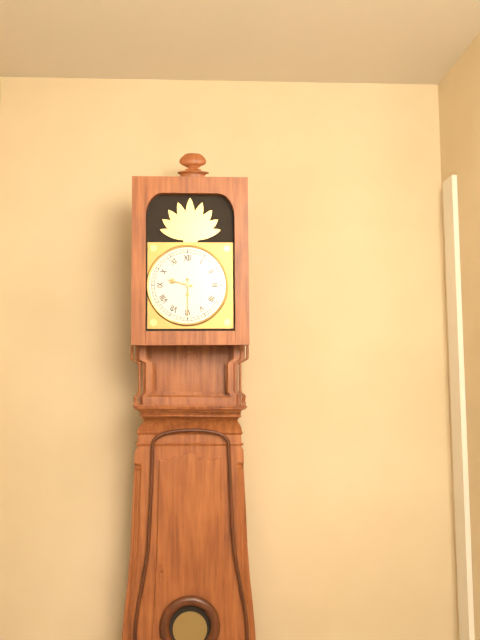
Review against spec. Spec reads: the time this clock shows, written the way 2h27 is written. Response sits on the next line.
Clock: 9h30
